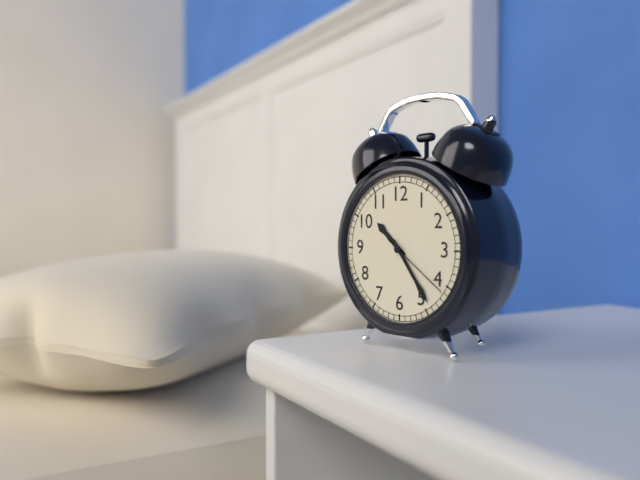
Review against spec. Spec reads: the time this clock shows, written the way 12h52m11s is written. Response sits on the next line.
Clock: 10h24m21s
